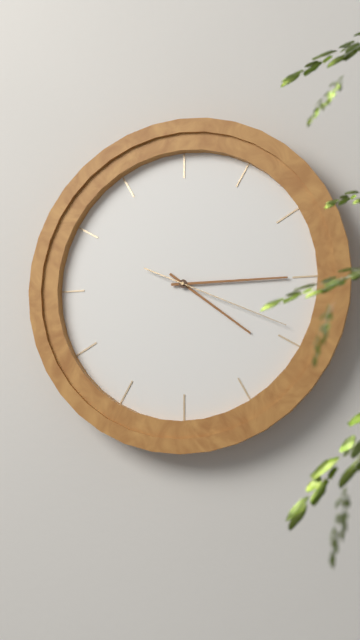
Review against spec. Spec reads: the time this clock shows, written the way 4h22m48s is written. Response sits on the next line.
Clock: 4h15m19s
